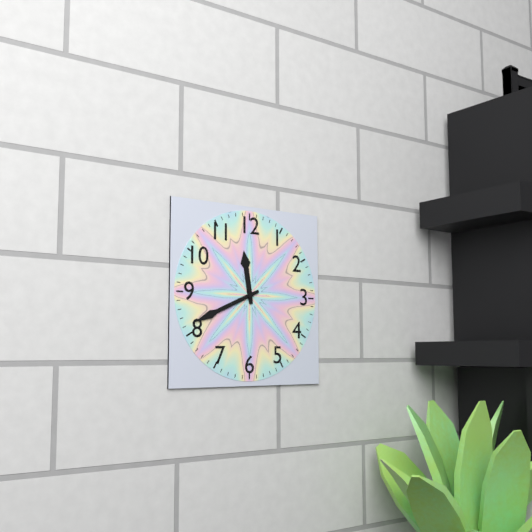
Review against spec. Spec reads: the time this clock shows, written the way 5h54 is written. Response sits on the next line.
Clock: 11h41
